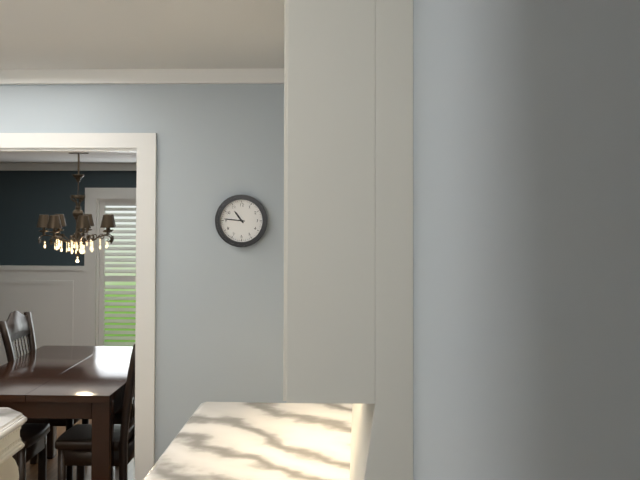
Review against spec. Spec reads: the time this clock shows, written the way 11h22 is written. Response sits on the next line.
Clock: 10h46
